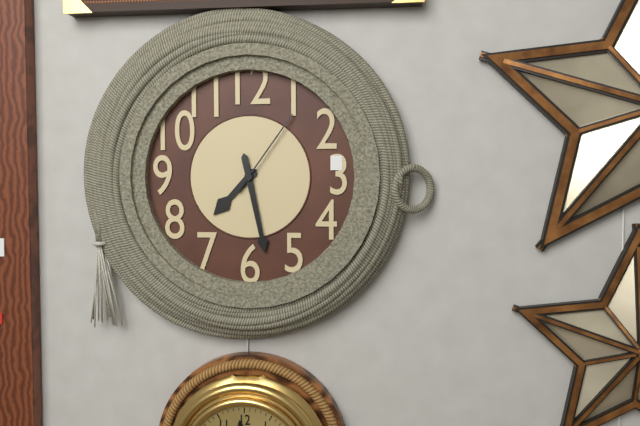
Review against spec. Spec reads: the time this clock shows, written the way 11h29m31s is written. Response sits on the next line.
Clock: 7h28m06s
